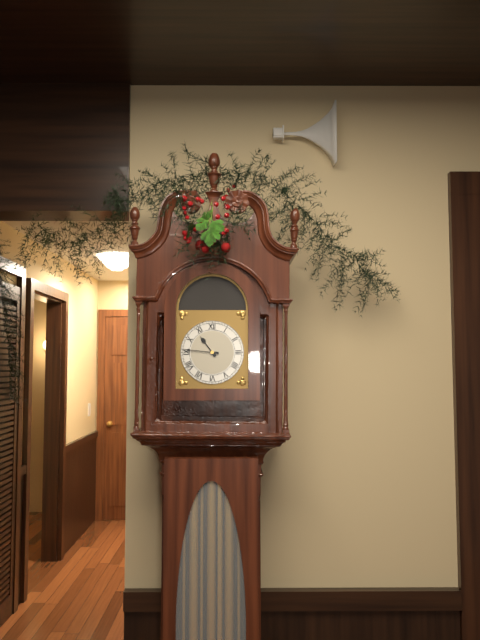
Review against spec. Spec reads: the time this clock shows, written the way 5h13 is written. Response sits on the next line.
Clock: 10h46
